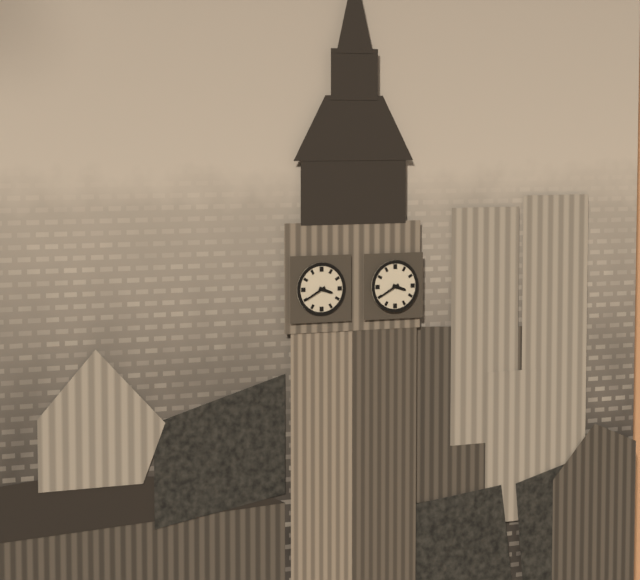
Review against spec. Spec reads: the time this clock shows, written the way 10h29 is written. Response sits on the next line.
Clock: 3h40
